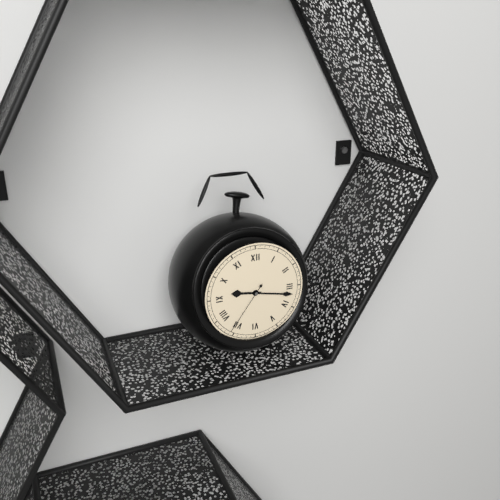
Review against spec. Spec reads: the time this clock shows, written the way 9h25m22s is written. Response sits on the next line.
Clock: 9h17m36s
